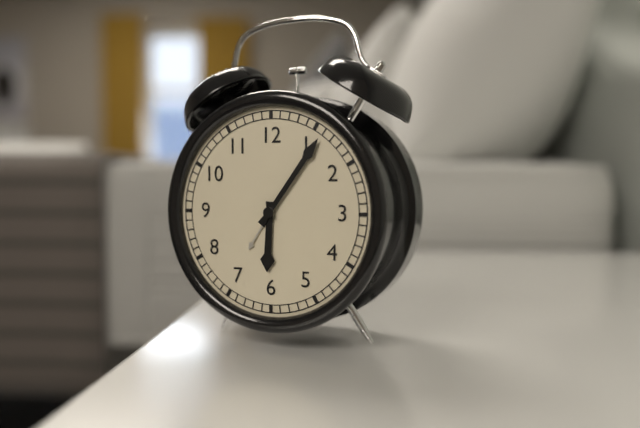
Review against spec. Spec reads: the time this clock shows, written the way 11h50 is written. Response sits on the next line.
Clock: 6h06
